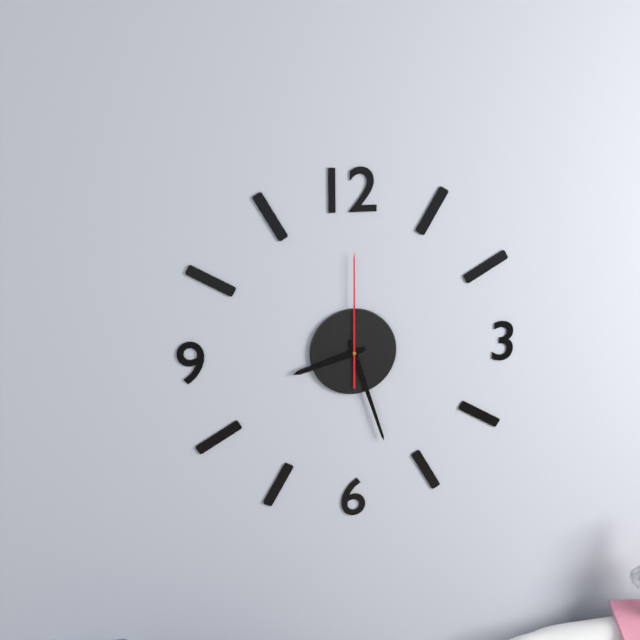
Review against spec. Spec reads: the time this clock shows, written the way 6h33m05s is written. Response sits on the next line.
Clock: 8h27m00s
